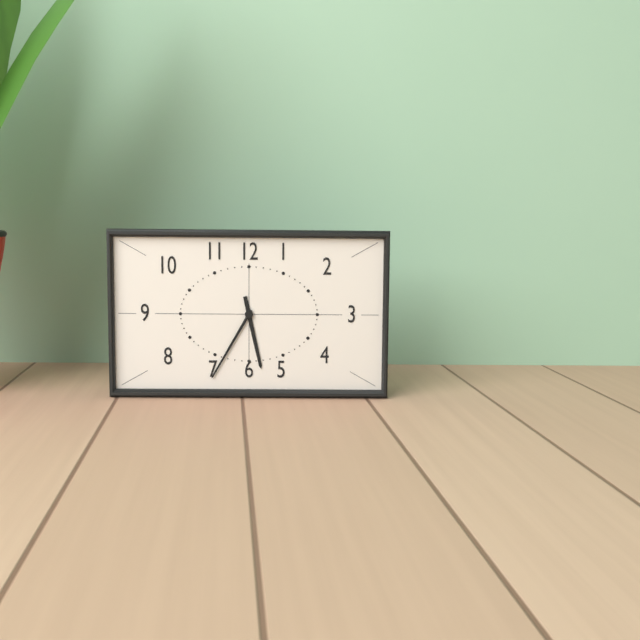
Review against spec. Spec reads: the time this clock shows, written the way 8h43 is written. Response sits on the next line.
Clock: 5h35
